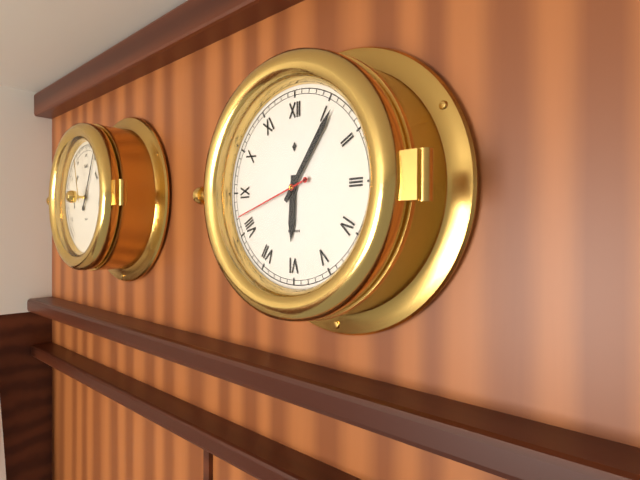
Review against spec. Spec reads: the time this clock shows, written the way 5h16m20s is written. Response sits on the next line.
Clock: 6h06m42s
